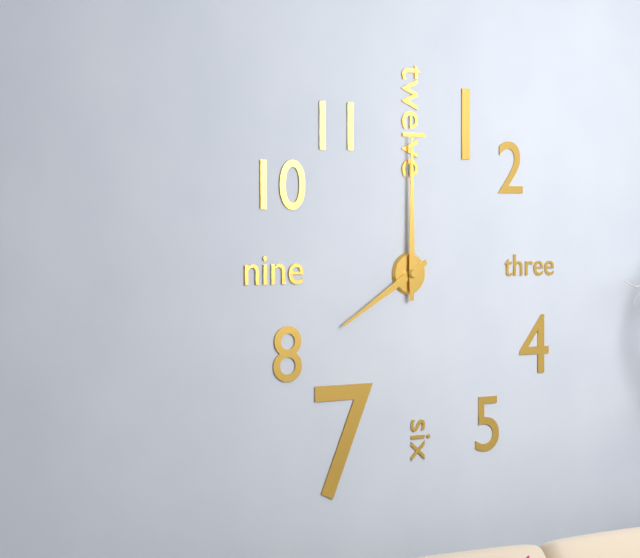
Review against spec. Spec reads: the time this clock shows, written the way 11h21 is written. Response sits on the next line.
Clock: 8h00
